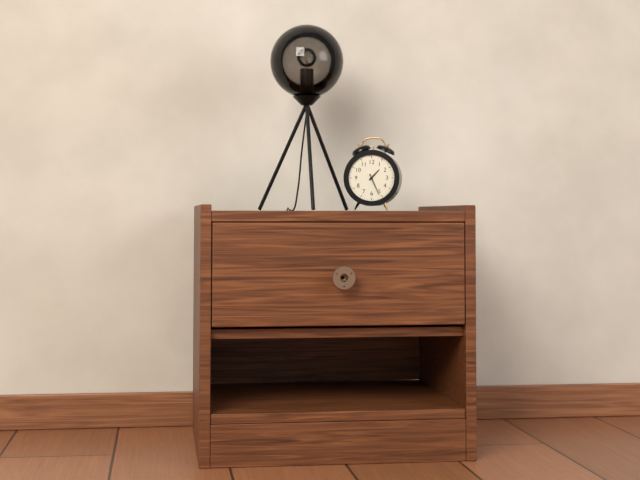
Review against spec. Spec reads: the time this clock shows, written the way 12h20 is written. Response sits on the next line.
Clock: 1h26
